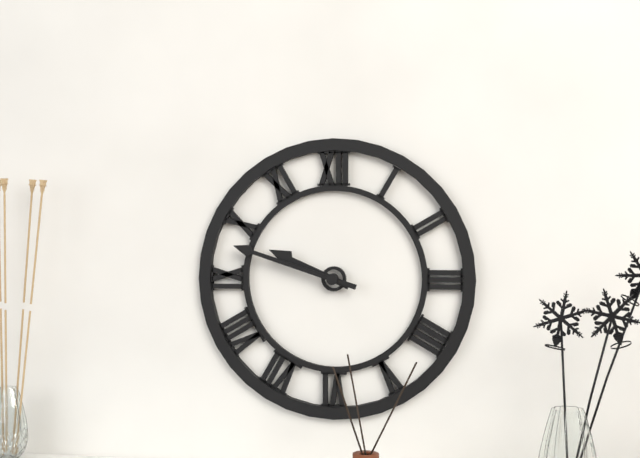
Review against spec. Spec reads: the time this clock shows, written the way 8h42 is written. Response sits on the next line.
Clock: 9h48
